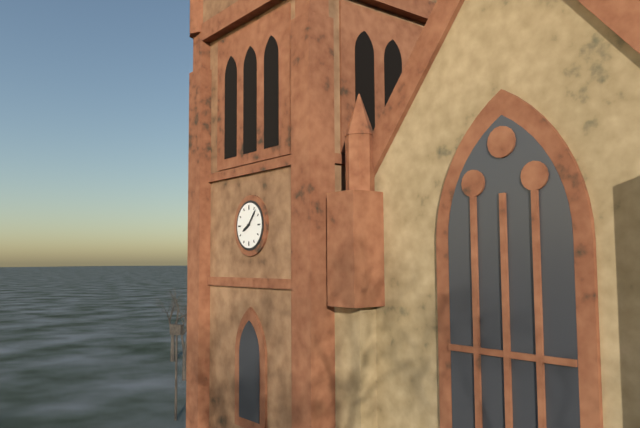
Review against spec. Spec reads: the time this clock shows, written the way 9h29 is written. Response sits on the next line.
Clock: 8h07
